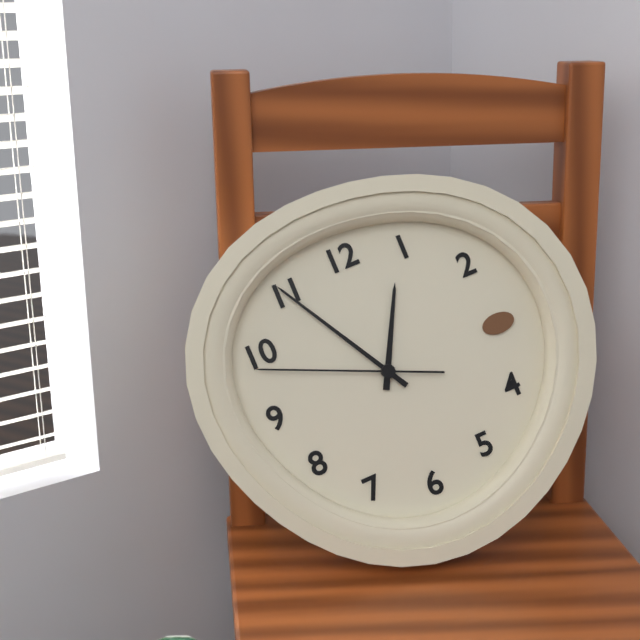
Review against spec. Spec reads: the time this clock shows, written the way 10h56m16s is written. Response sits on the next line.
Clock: 12h55m49s
